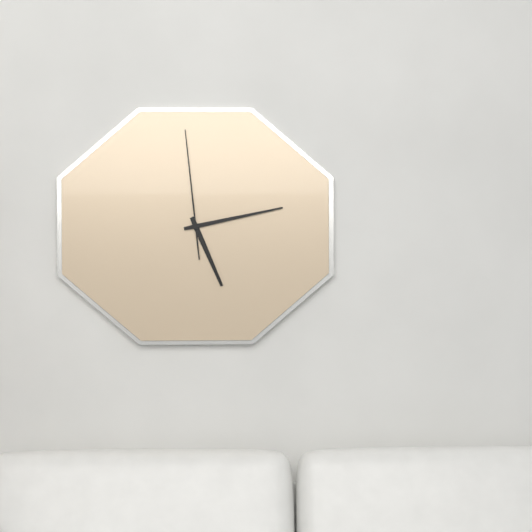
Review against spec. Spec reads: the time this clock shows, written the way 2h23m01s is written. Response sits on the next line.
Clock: 5h13m59s
